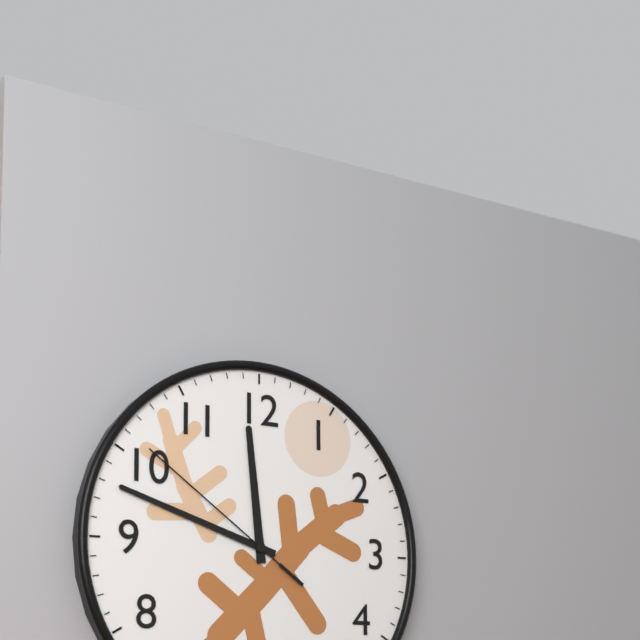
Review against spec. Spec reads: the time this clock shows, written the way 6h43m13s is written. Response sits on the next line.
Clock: 11h48m51s
